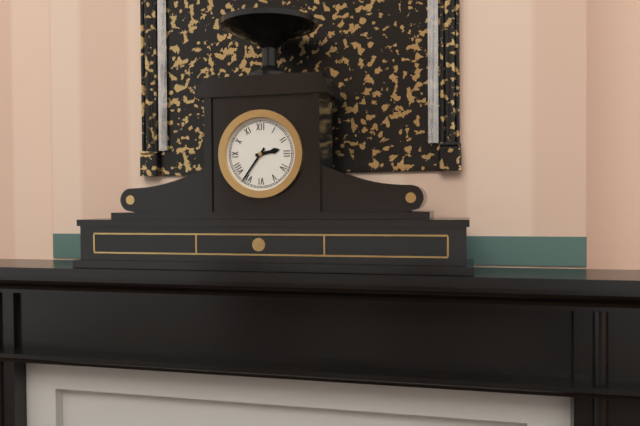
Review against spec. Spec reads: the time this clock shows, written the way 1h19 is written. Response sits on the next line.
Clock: 2h36
